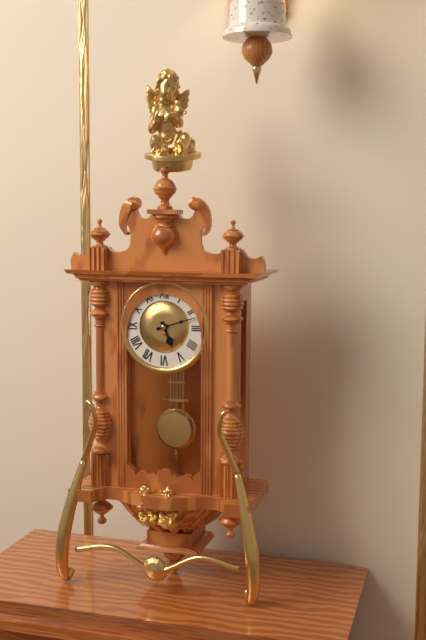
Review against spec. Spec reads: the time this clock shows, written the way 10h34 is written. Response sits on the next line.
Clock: 5h12
